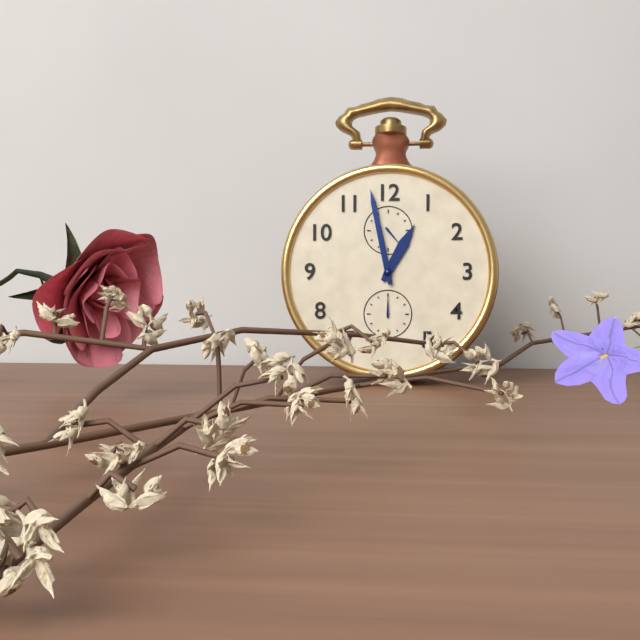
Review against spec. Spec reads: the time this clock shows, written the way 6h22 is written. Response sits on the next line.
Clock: 12h58
